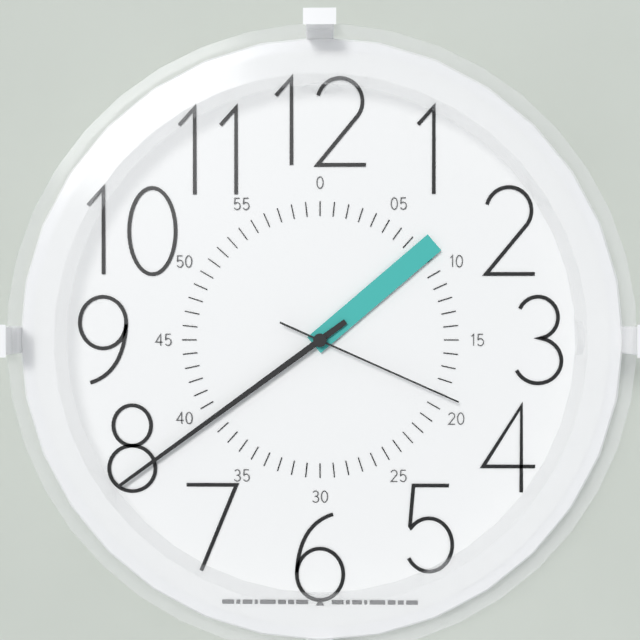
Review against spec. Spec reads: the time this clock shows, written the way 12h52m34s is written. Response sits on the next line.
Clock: 1h39m19s
